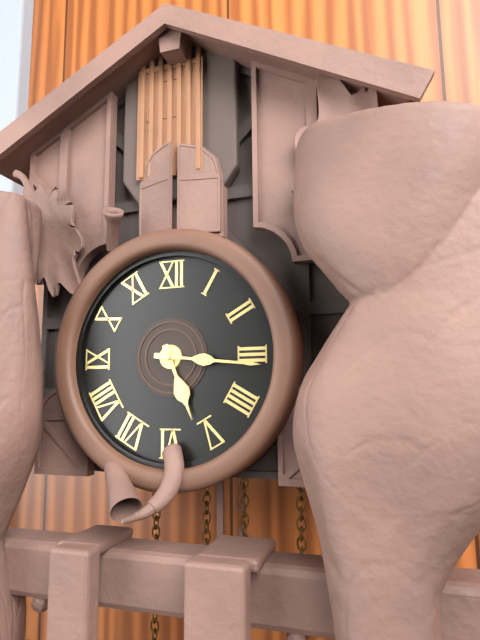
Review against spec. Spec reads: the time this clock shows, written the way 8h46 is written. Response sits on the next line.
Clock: 5h16
